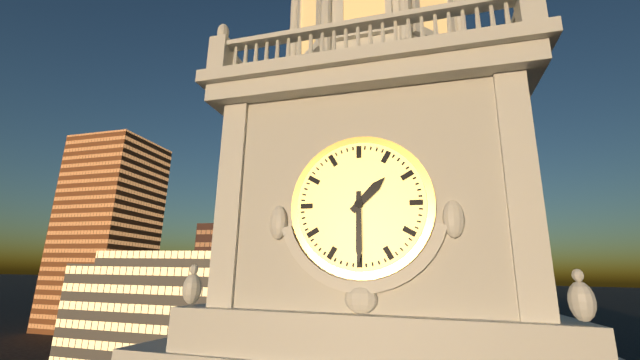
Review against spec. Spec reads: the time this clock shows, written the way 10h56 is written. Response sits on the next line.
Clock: 1h30
